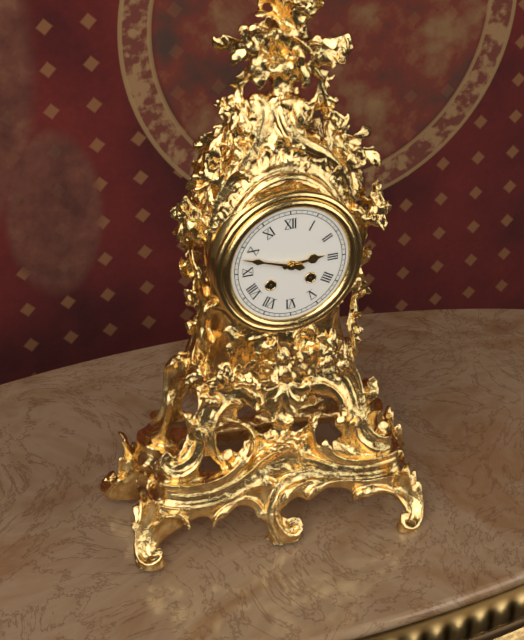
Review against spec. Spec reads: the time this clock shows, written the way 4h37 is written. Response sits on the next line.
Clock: 2h48
